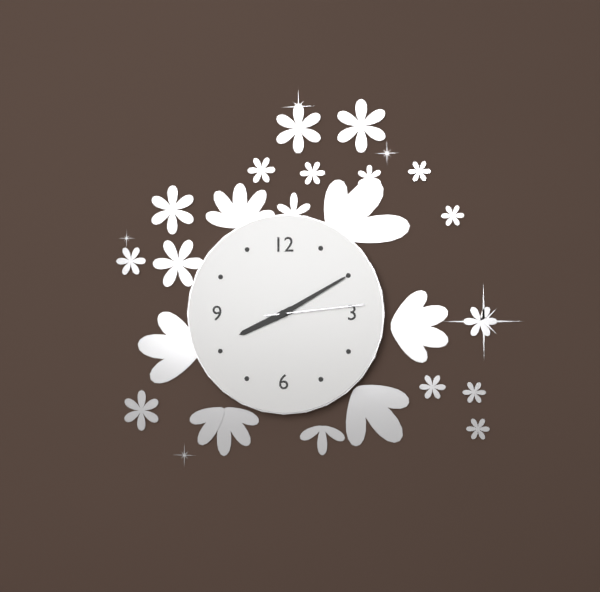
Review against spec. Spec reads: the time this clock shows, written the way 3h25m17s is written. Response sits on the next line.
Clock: 8h10m14s
